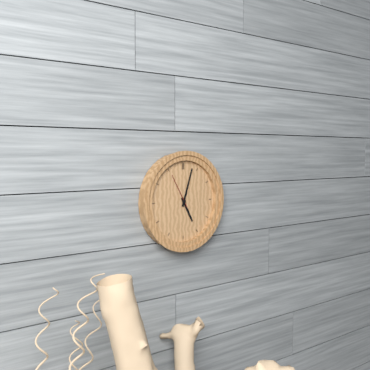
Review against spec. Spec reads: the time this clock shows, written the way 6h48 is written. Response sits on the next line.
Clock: 5h03
